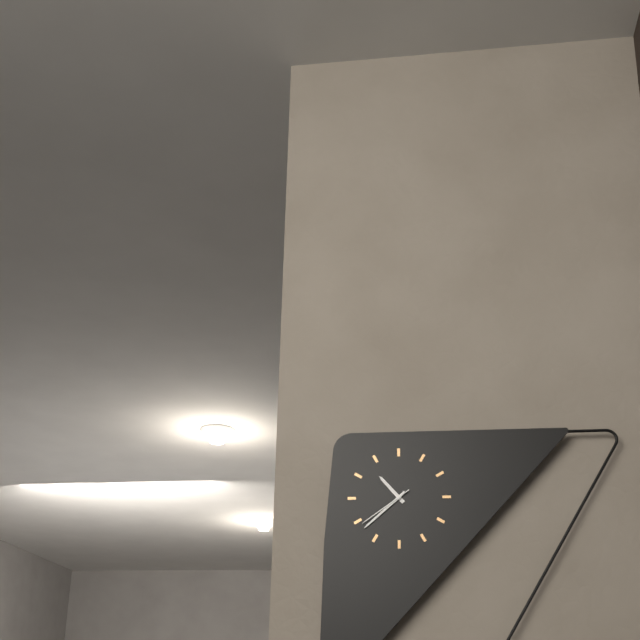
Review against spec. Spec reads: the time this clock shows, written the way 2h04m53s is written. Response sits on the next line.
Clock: 10h38m39s
